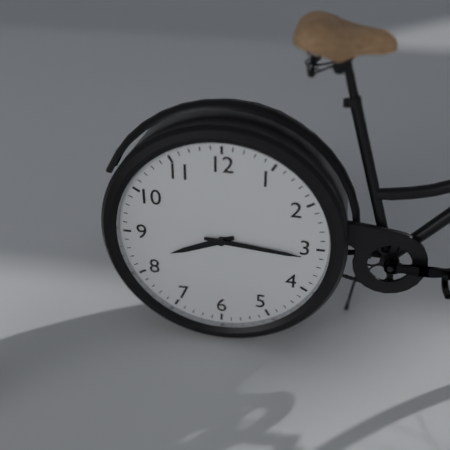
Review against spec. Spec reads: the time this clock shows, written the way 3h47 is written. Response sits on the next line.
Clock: 8h16
